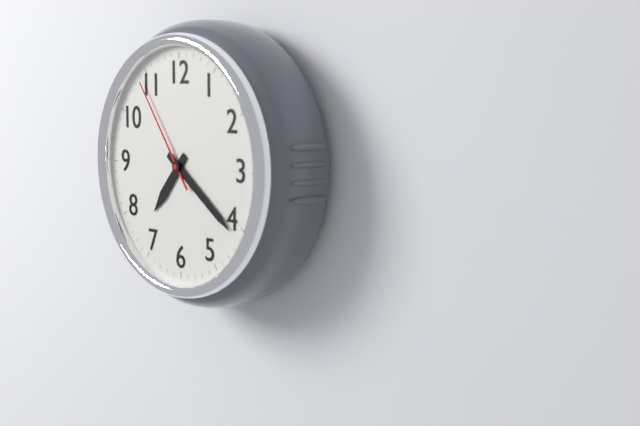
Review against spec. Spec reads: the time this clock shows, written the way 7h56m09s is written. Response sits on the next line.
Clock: 7h21m54s
